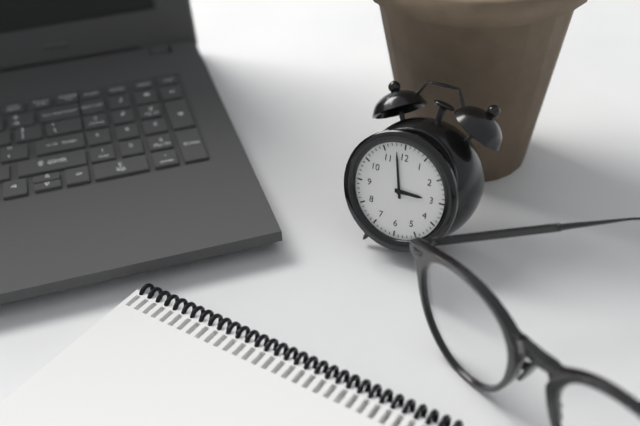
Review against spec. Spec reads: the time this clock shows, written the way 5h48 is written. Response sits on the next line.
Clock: 2h58
